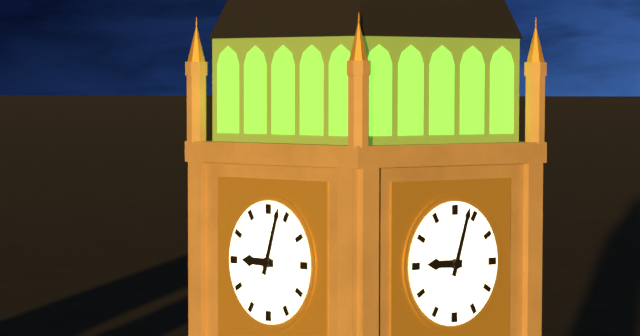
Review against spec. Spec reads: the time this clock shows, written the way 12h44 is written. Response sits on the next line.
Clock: 9h03
